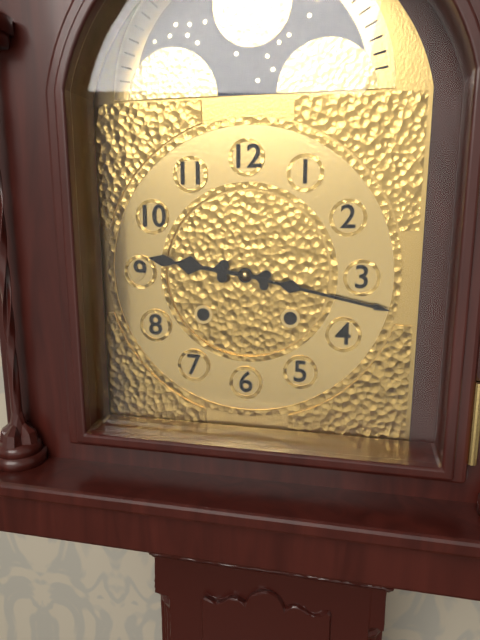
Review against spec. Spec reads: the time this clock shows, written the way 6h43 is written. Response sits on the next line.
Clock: 9h17
